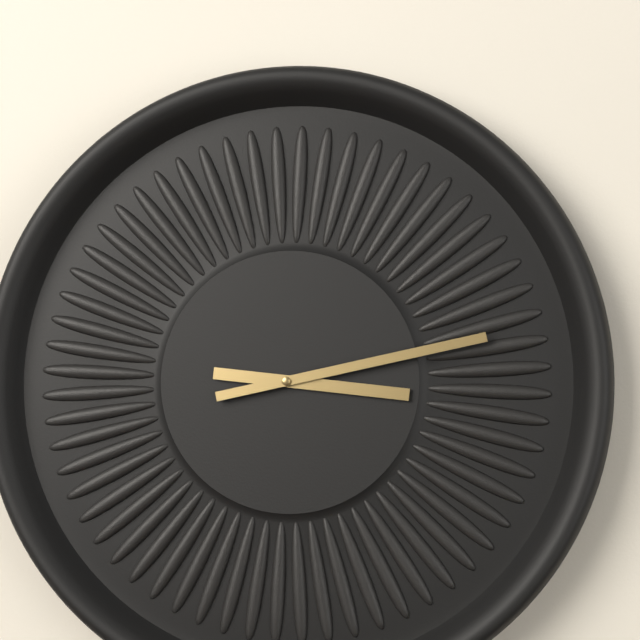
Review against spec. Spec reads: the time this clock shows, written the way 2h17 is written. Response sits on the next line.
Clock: 3h13
